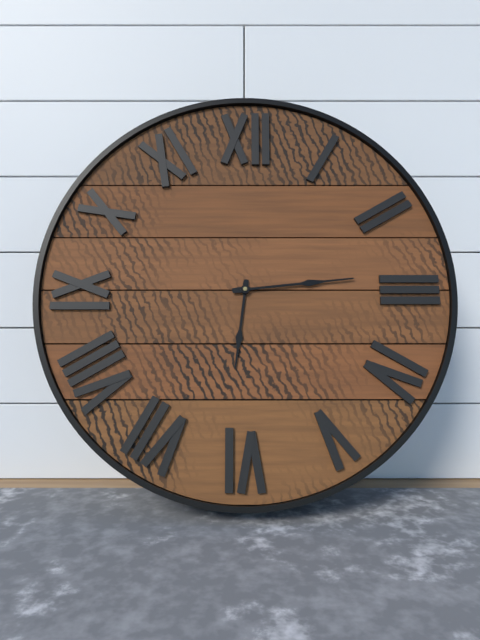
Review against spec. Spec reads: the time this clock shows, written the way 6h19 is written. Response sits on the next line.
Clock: 6h14
